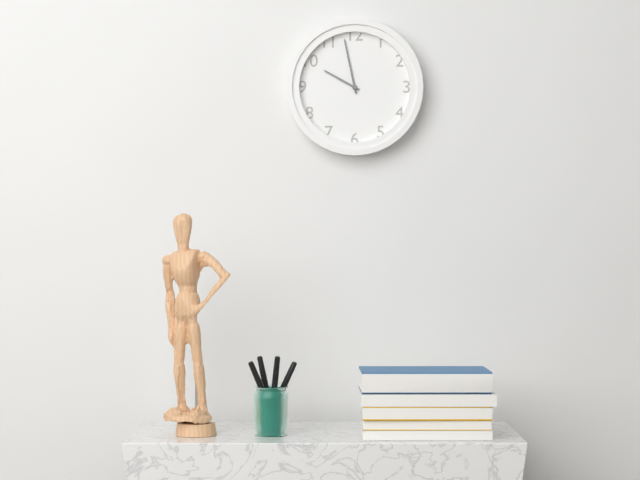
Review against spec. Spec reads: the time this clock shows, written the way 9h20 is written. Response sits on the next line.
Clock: 9h58
